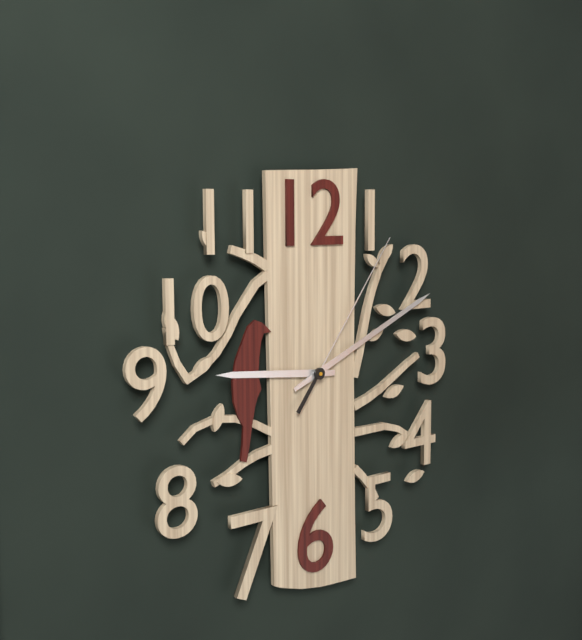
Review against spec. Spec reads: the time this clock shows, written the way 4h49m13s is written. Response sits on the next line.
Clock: 9h11m06s
